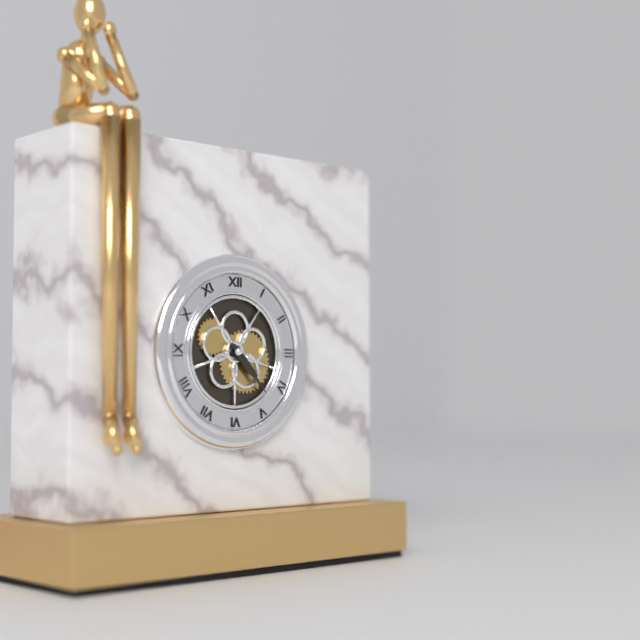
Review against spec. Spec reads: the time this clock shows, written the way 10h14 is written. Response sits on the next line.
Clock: 4h23
